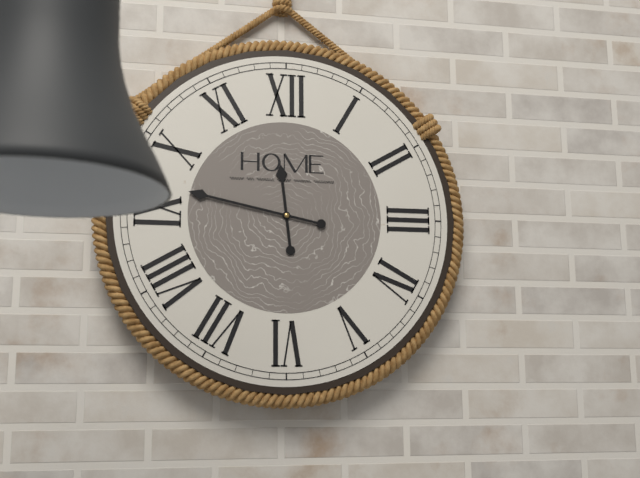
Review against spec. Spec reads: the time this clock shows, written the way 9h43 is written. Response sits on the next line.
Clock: 11h47
